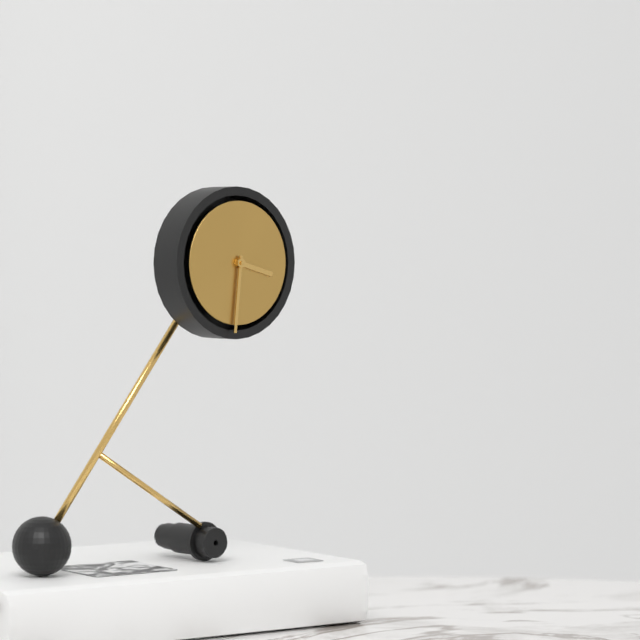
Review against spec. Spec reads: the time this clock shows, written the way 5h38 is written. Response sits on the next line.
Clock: 3h31
